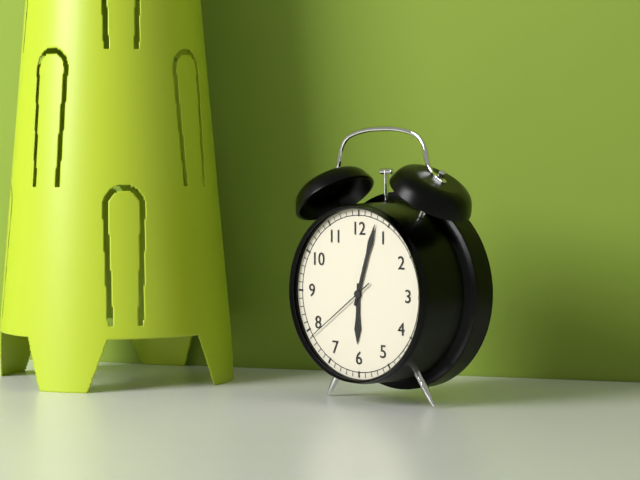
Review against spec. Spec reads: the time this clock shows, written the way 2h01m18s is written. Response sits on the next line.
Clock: 6h03m39s
